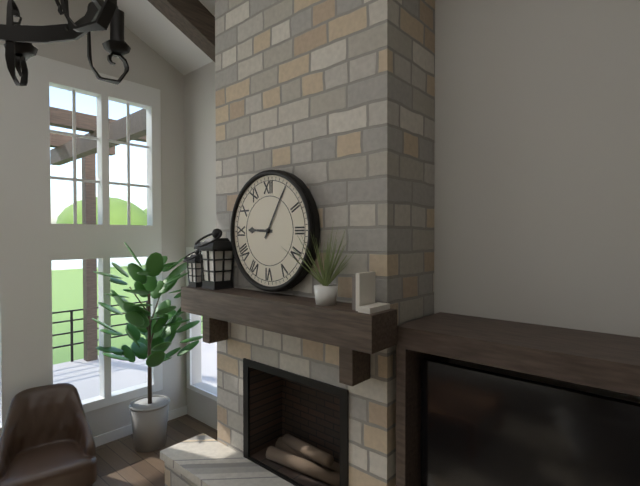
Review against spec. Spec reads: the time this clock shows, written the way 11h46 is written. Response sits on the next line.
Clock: 9h05
